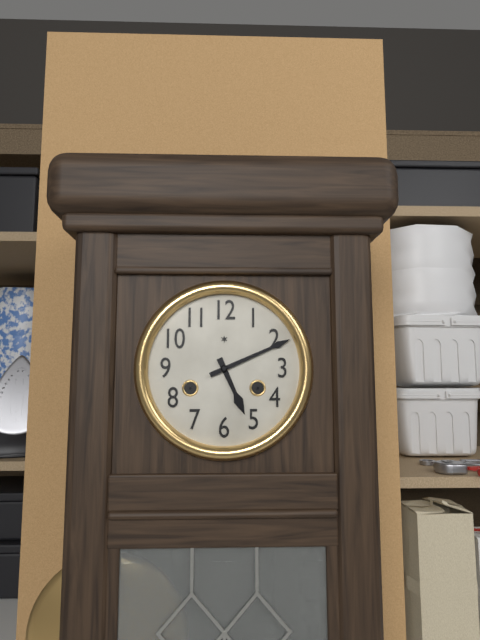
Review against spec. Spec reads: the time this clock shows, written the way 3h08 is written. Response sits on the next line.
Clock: 5h11
